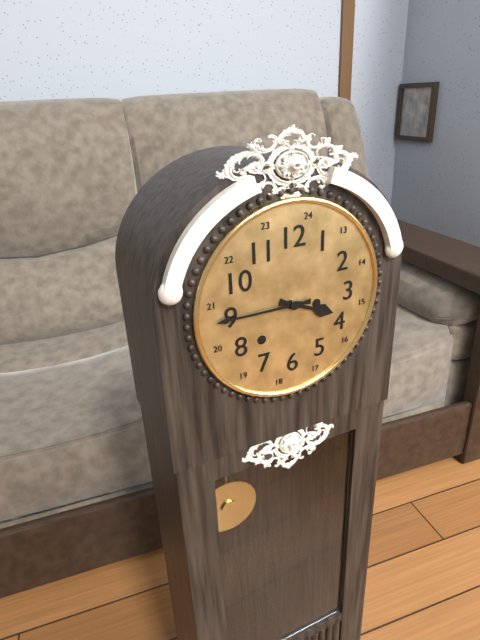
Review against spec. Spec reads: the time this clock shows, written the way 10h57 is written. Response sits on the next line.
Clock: 3h45
